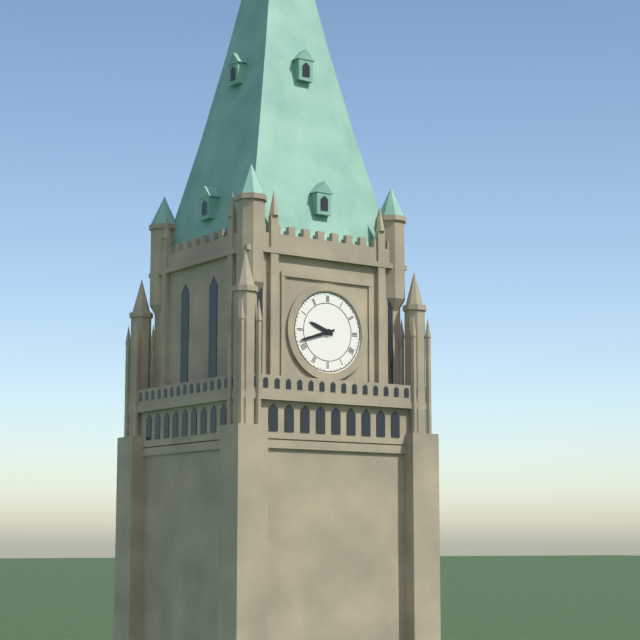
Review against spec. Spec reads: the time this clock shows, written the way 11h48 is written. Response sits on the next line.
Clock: 9h42
